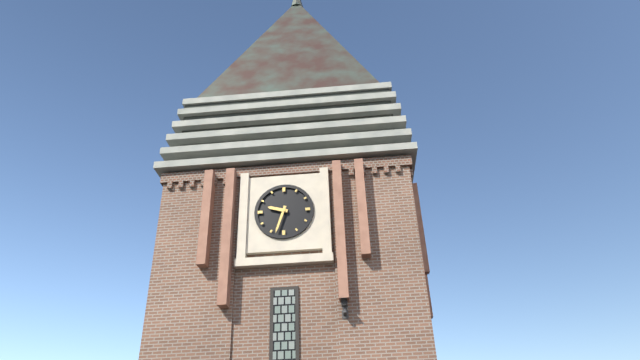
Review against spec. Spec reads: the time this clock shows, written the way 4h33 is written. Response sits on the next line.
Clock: 9h33
